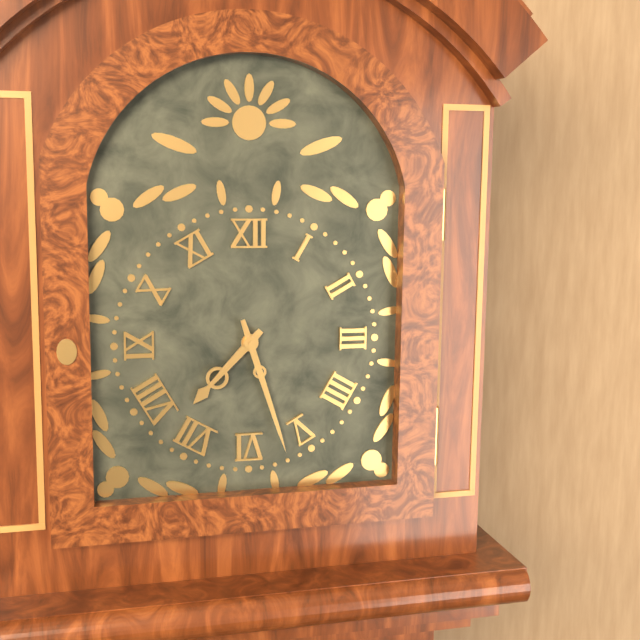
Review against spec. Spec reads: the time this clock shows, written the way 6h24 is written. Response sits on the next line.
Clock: 7h27
